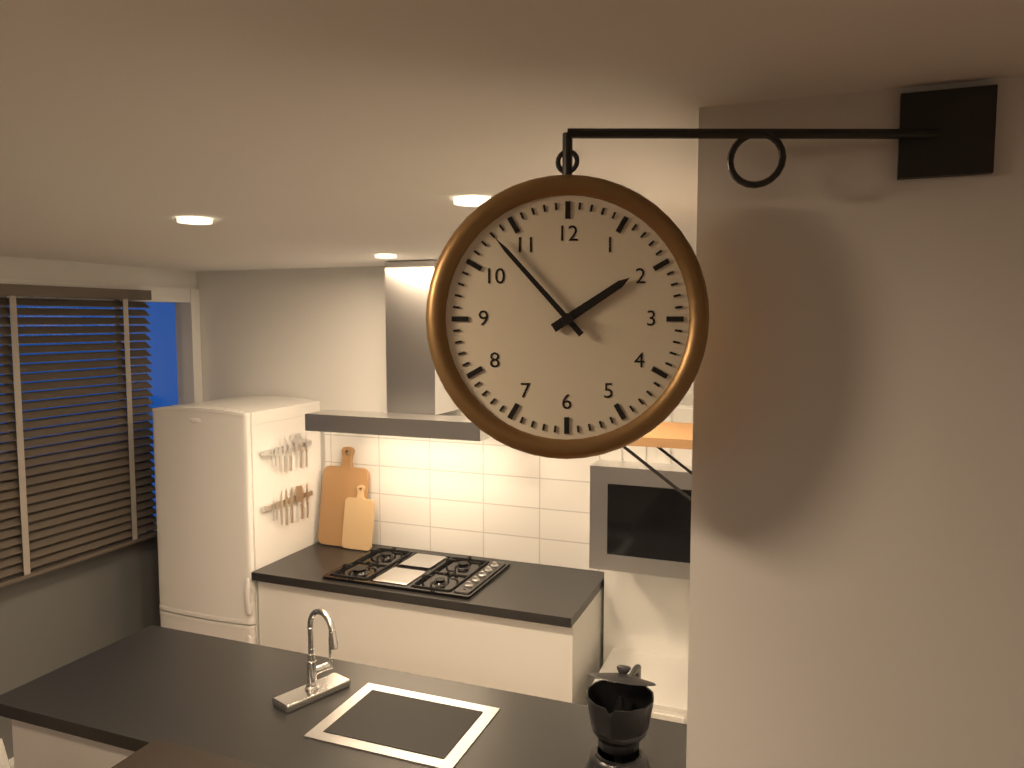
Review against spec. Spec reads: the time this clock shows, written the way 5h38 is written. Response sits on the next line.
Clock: 1h53
